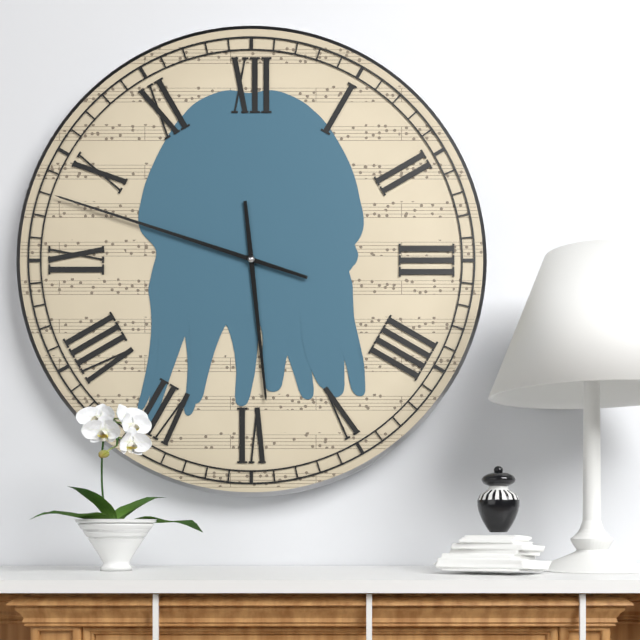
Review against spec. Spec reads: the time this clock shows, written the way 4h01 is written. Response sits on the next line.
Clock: 5h48
